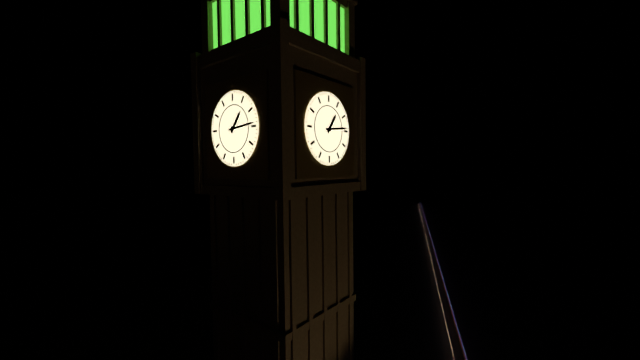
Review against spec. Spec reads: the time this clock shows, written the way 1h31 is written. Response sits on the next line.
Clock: 1h14
